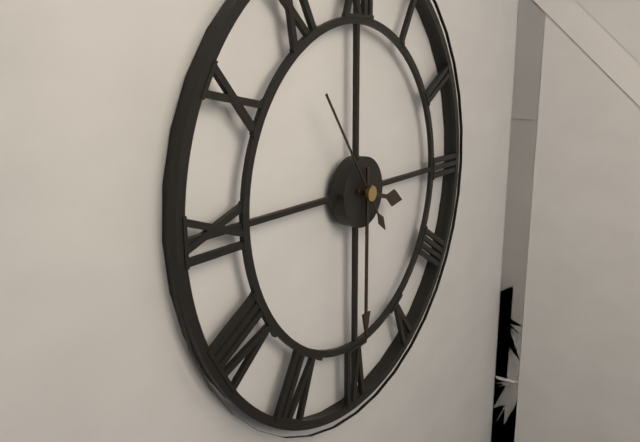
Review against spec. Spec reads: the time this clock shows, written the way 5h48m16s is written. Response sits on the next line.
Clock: 3h30m54s
